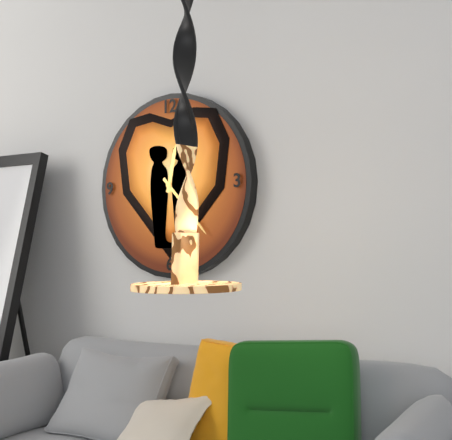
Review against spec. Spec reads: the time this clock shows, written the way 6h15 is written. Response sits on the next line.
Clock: 12h23
